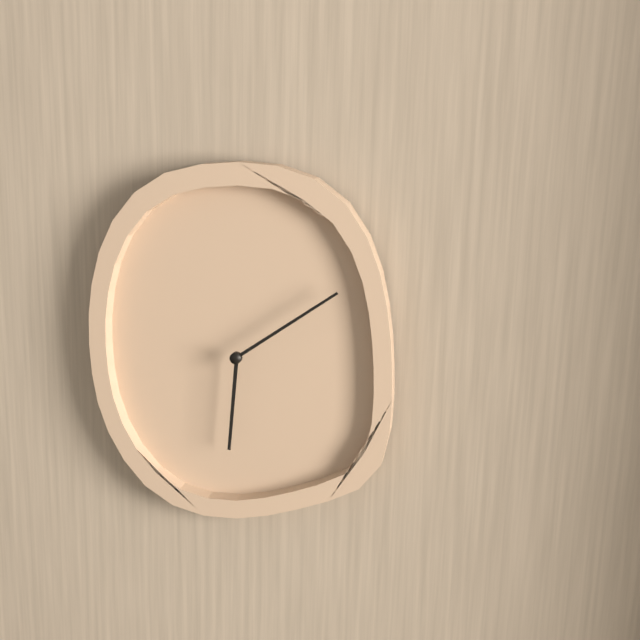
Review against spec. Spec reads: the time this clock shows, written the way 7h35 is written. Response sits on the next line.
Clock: 6h09
